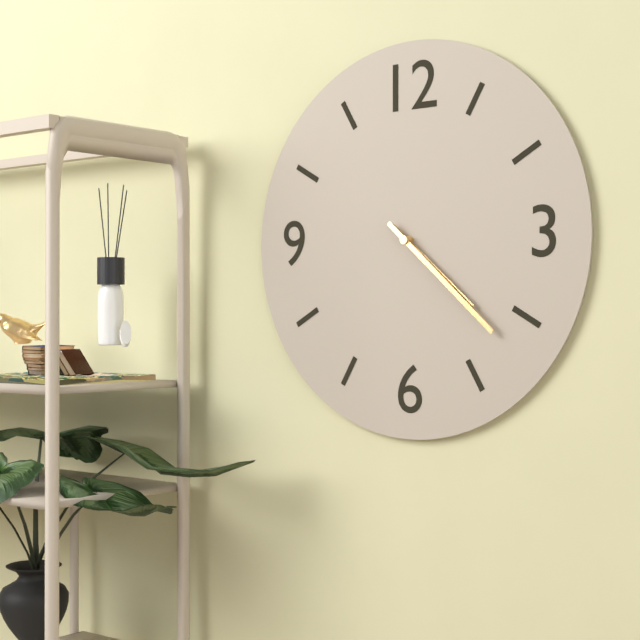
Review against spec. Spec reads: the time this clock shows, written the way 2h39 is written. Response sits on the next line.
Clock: 4h22
